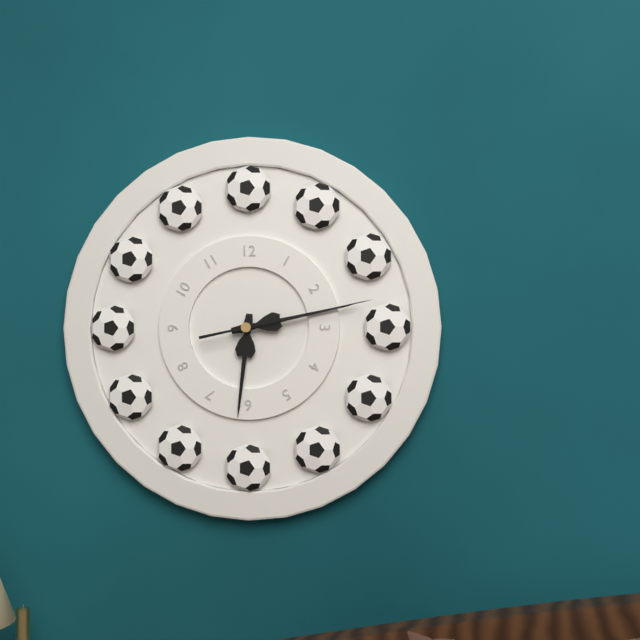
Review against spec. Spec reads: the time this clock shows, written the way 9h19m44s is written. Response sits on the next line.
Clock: 6h13m13s
